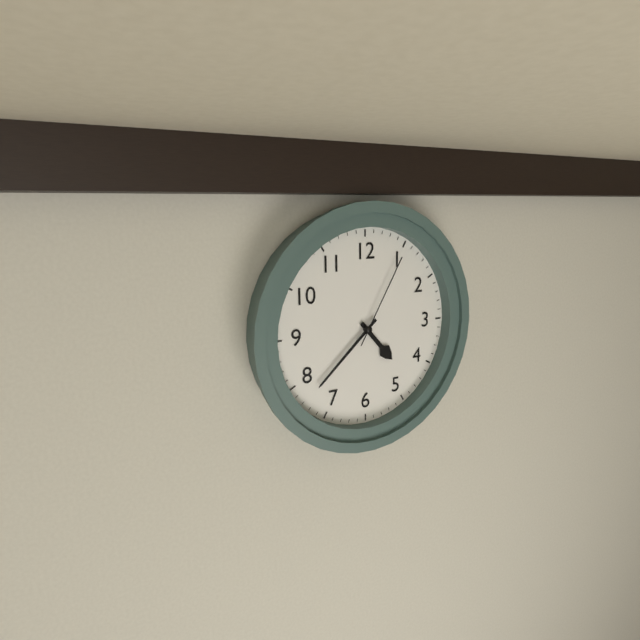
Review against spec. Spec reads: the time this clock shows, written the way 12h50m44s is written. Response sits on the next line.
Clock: 4h38m05s
